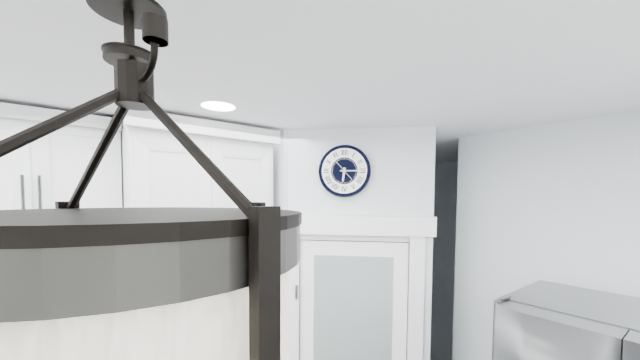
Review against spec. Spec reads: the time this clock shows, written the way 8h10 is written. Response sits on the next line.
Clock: 6h15
